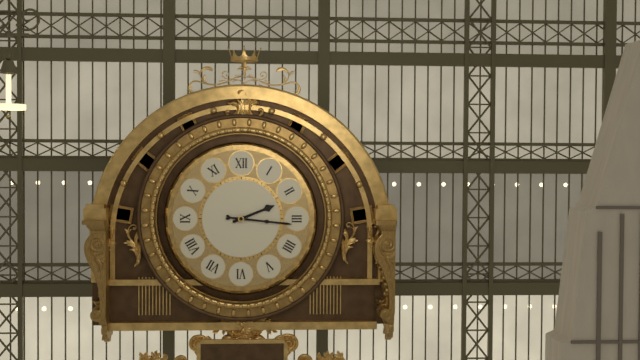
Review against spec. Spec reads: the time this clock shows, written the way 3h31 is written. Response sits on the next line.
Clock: 2h16
